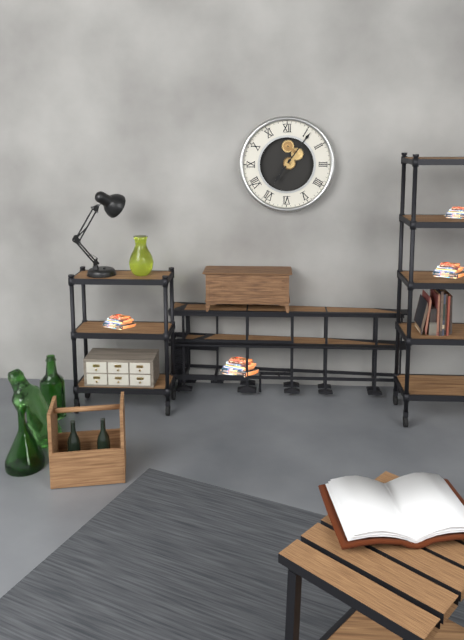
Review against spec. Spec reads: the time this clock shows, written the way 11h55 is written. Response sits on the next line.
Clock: 7h06
